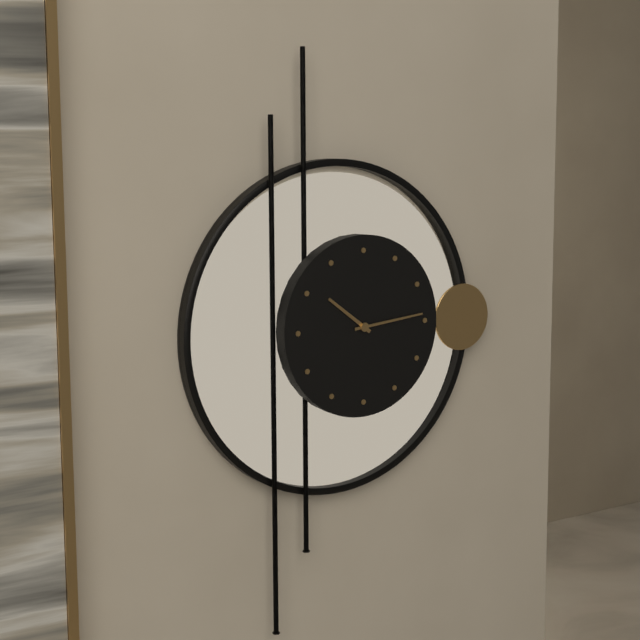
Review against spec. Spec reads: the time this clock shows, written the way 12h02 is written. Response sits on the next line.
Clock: 10h14
